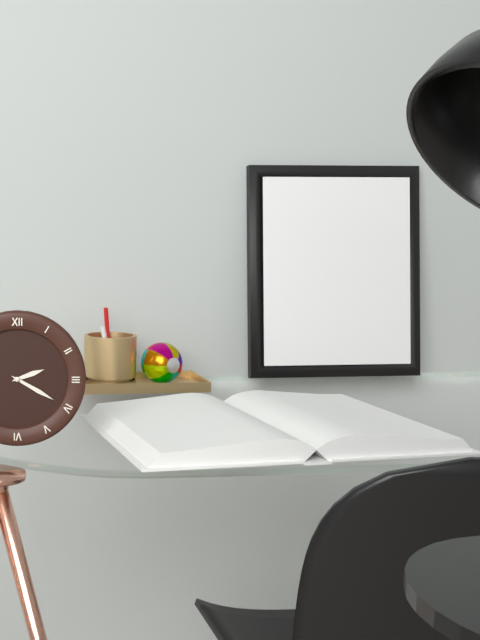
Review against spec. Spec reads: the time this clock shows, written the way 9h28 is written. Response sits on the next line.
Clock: 2h20
